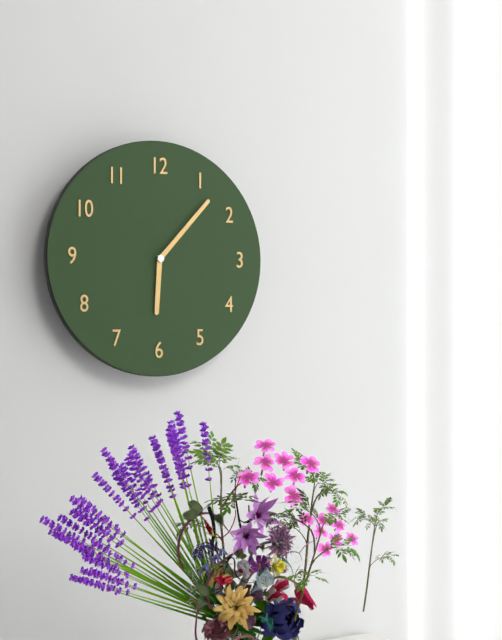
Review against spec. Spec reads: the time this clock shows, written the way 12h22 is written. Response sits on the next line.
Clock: 6h07
